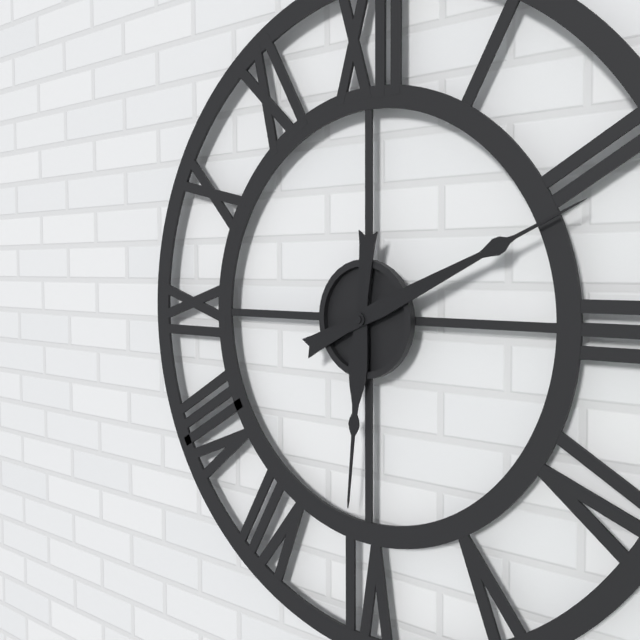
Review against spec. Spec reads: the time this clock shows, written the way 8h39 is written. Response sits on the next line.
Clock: 6h11
